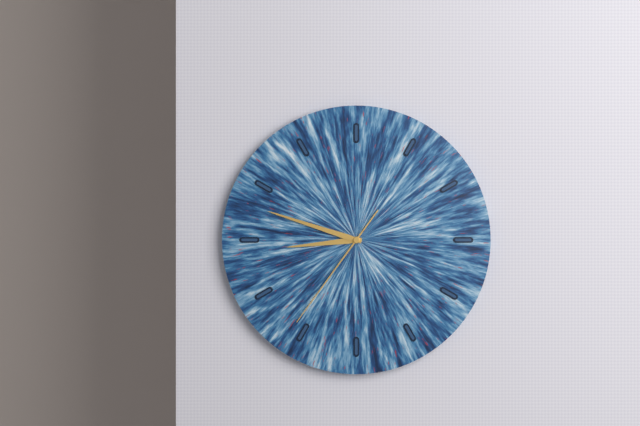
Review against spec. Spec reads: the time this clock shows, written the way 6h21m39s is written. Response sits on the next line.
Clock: 8h48m36s
